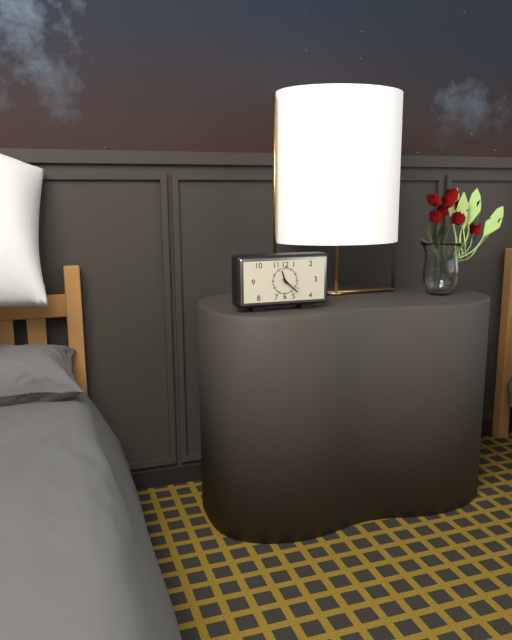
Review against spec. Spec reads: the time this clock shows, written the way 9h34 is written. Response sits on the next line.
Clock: 11h22
